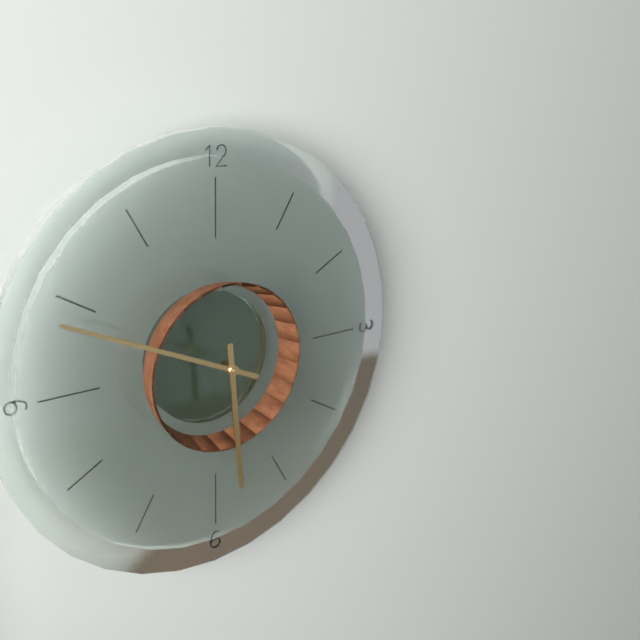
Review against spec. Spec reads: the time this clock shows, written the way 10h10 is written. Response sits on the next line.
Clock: 5h49
